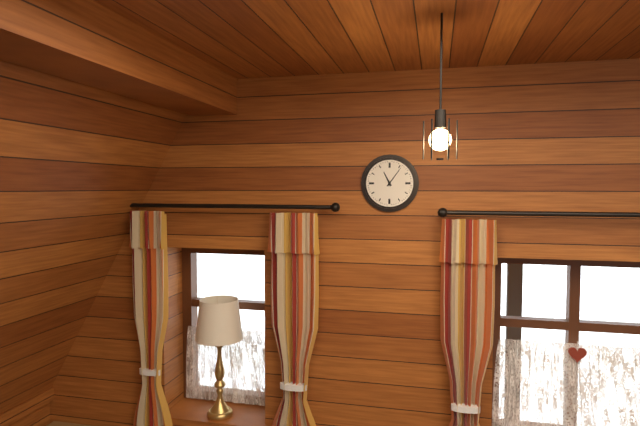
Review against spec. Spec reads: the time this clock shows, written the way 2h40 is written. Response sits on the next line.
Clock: 11h06
